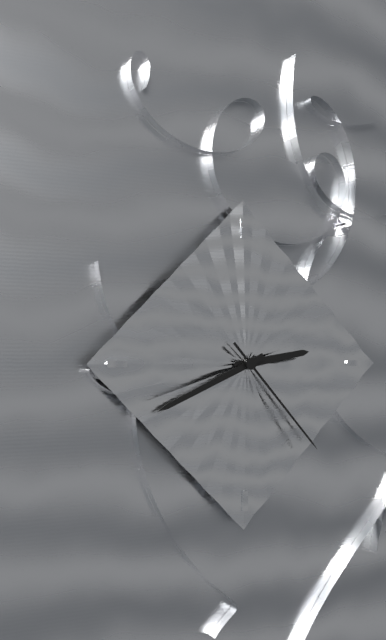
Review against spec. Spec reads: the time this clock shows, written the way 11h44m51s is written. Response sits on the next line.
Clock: 2h41m23s
